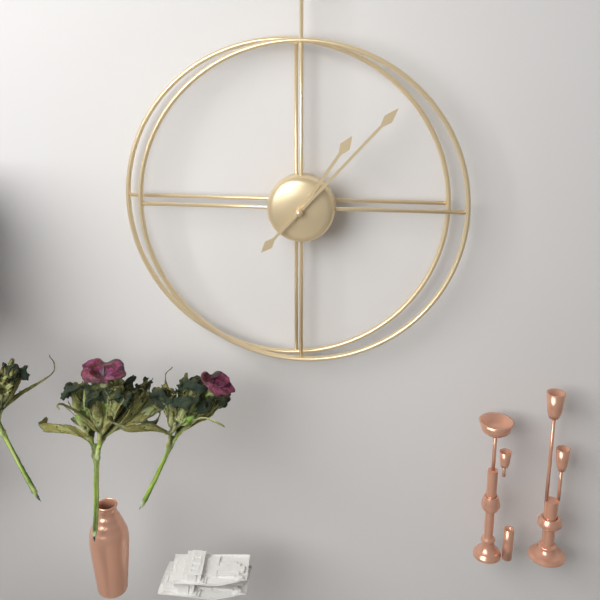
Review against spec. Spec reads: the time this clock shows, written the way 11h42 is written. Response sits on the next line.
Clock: 1h07
